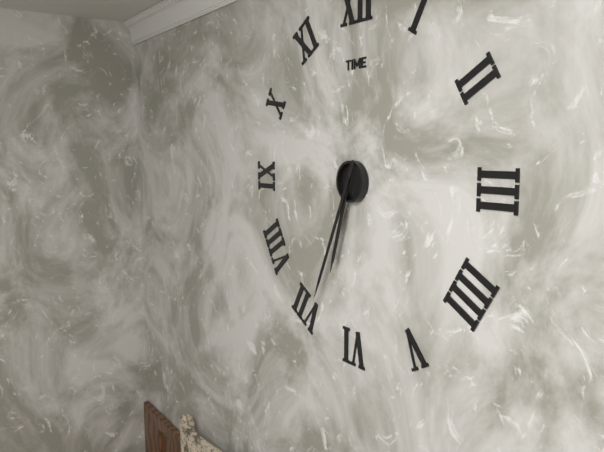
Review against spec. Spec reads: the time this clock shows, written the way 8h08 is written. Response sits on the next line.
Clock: 6h34
